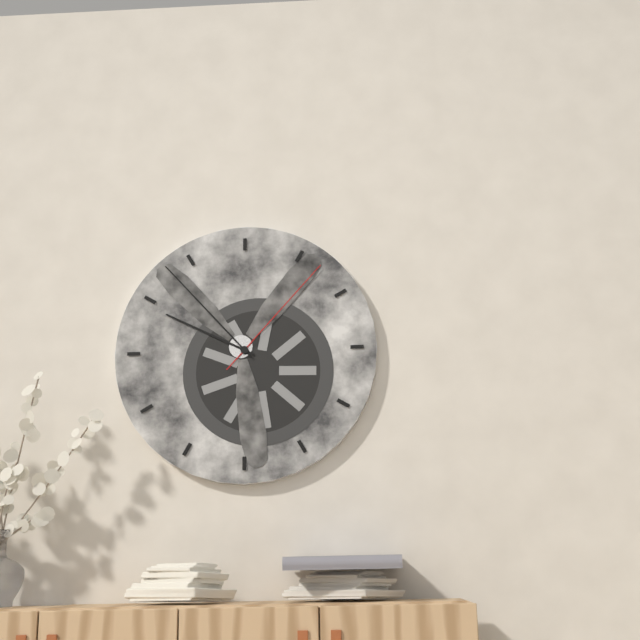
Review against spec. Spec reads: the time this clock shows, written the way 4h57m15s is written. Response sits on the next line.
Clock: 9h53m07s
